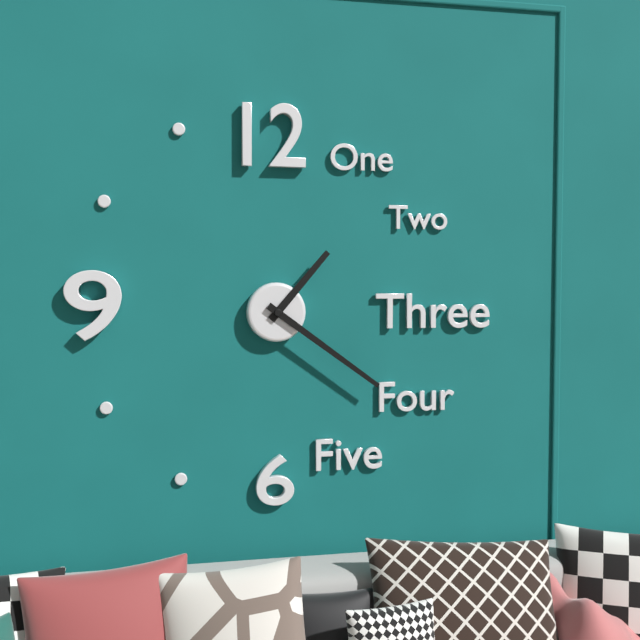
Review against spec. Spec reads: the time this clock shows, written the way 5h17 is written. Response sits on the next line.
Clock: 1h21
